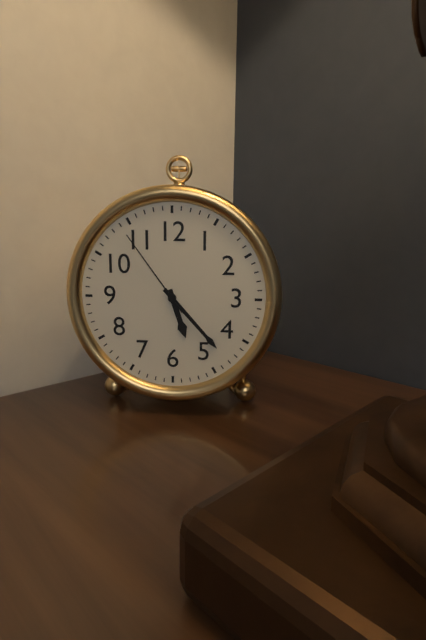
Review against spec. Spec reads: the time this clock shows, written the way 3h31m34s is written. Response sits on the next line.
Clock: 5h23m54s
